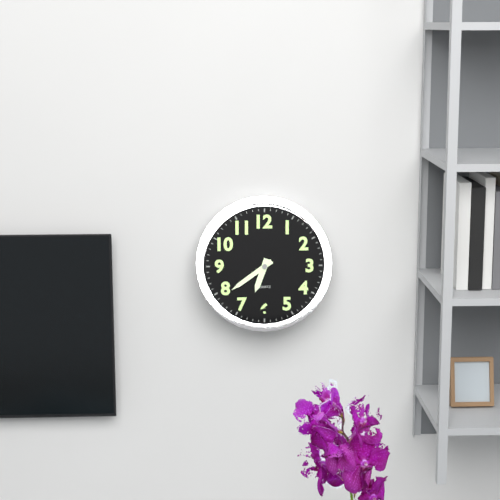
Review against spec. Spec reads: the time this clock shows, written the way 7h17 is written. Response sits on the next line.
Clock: 6h39
